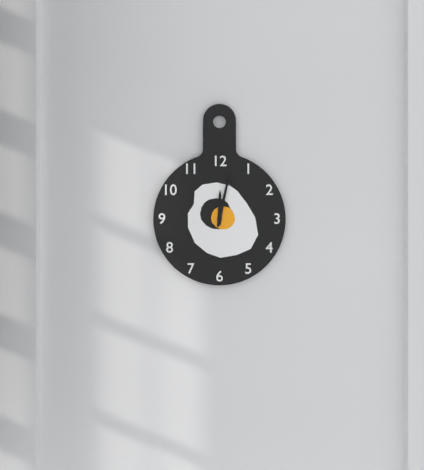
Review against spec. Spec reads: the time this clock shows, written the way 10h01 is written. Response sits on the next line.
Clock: 12h02
